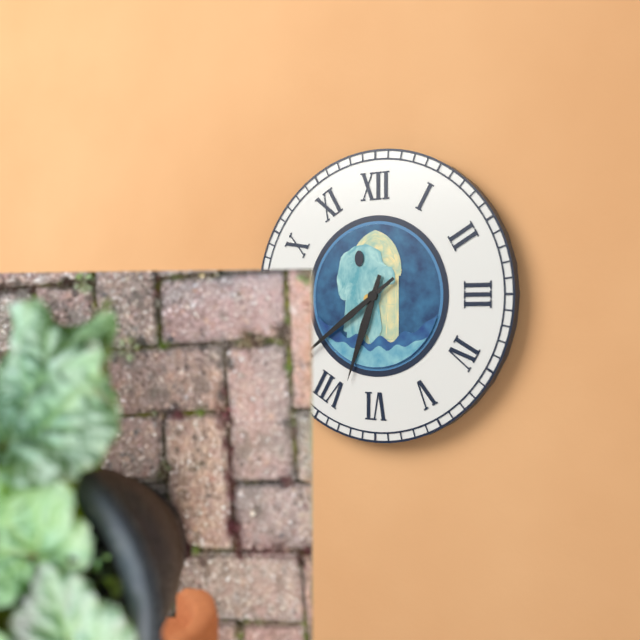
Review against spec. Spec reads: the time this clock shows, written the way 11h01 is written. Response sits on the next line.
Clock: 6h39
